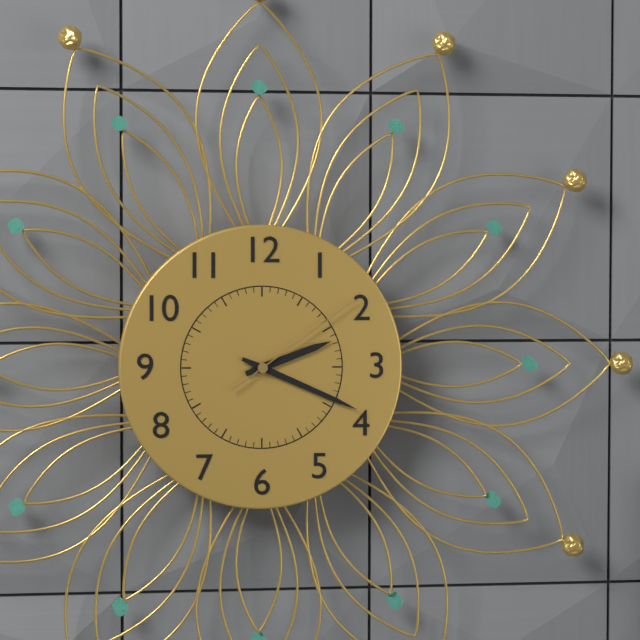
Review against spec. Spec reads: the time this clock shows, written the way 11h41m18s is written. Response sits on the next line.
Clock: 2h19m09s
